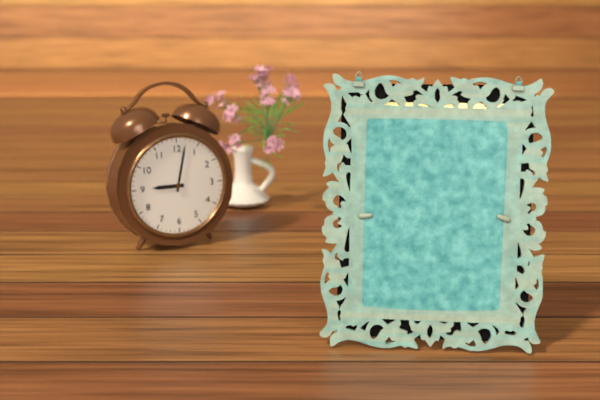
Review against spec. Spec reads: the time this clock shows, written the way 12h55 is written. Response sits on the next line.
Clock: 9h02
